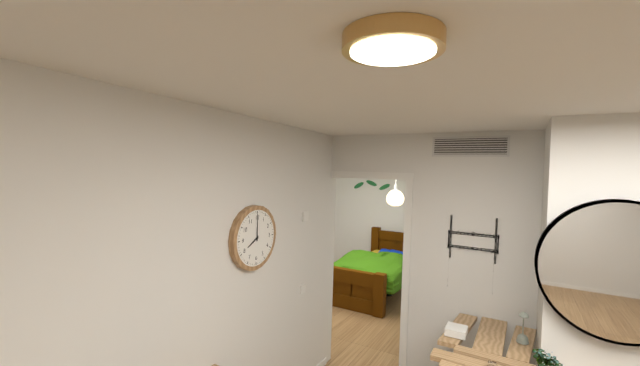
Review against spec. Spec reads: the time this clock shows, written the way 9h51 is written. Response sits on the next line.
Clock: 8h00
